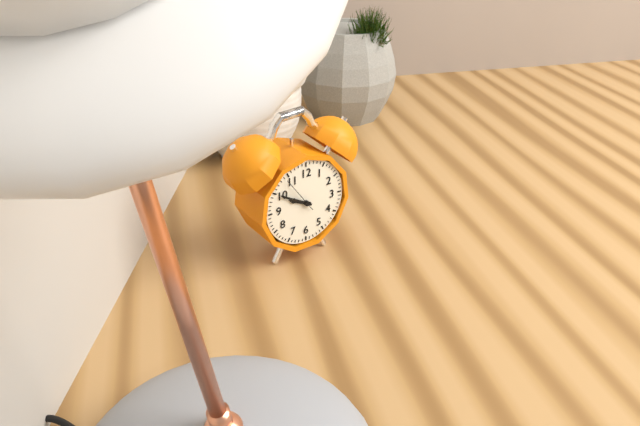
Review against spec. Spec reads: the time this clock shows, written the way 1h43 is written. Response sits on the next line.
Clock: 9h50
